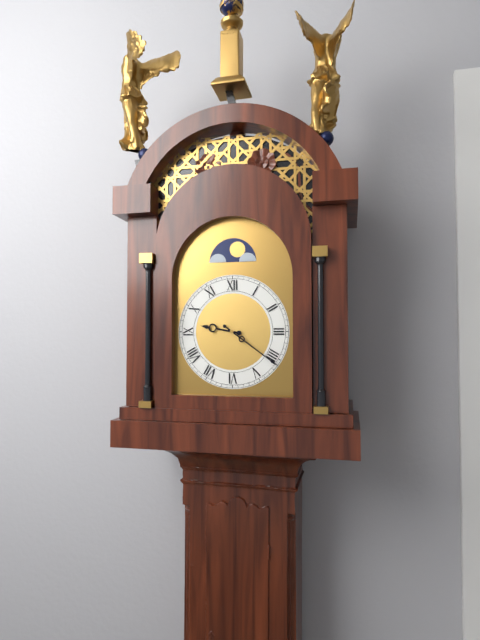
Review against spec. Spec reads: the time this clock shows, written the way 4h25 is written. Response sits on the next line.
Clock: 9h21
